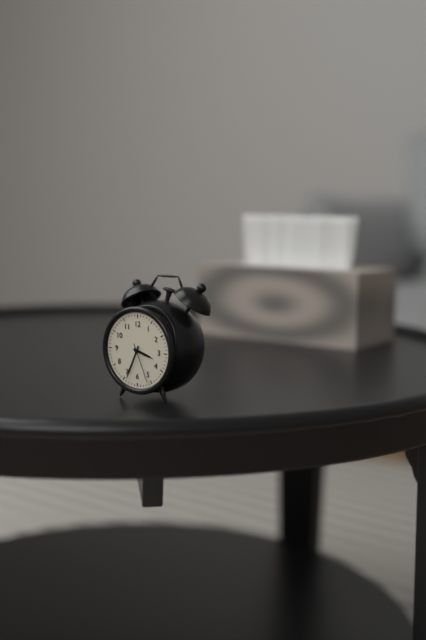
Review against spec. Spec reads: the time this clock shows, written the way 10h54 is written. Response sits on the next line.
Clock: 3h34
